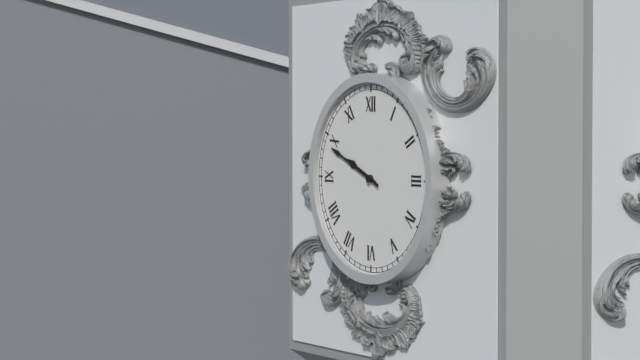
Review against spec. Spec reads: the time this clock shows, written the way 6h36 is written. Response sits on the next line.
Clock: 9h49
